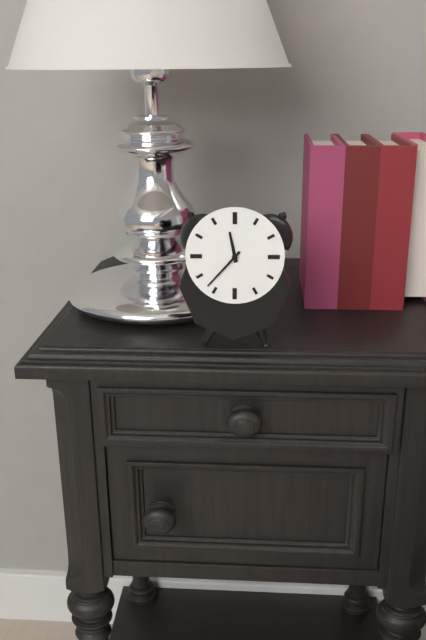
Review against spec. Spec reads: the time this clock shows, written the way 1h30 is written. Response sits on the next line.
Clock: 11h37
